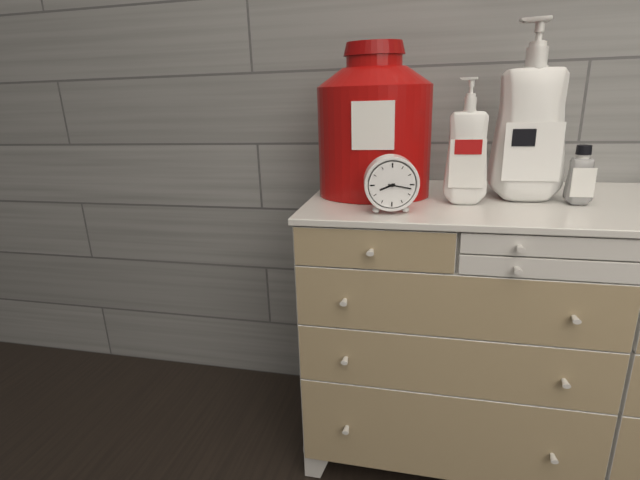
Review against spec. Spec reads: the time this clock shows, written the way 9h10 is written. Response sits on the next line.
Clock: 8h17
